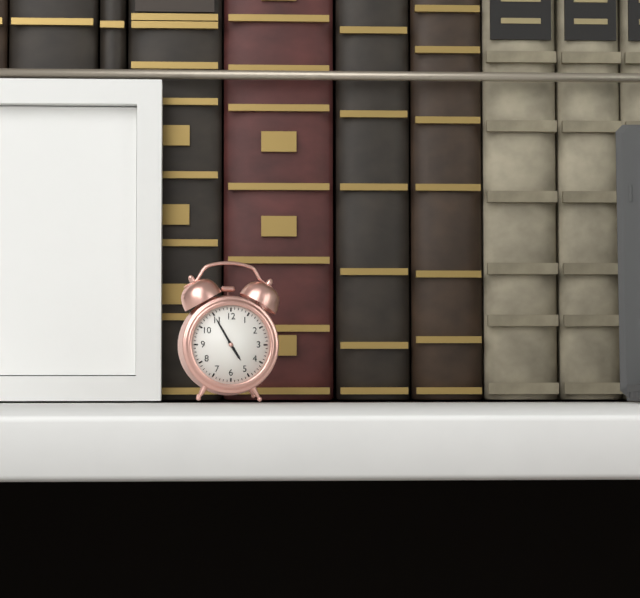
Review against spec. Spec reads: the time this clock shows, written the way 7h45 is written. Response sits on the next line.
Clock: 4h55
